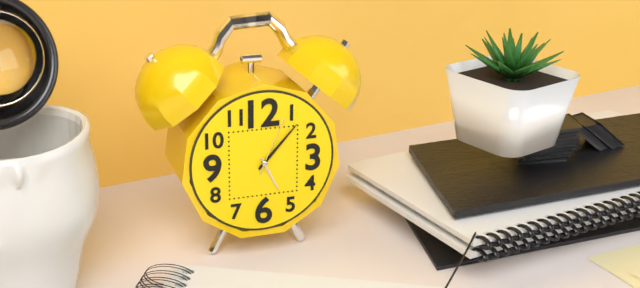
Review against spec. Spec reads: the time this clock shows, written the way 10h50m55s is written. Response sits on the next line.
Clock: 5h07m04s
